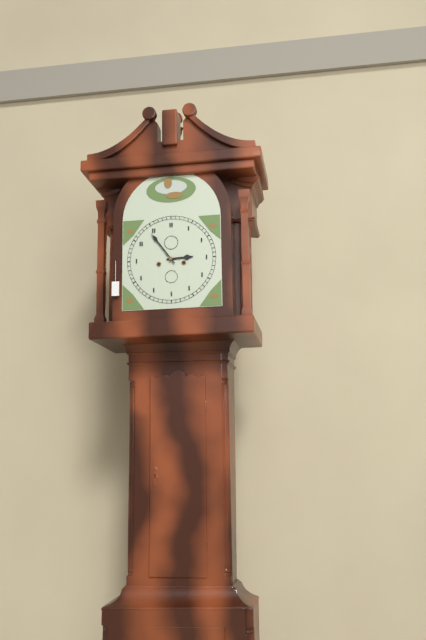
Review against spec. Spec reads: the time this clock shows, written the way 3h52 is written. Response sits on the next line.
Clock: 2h54
